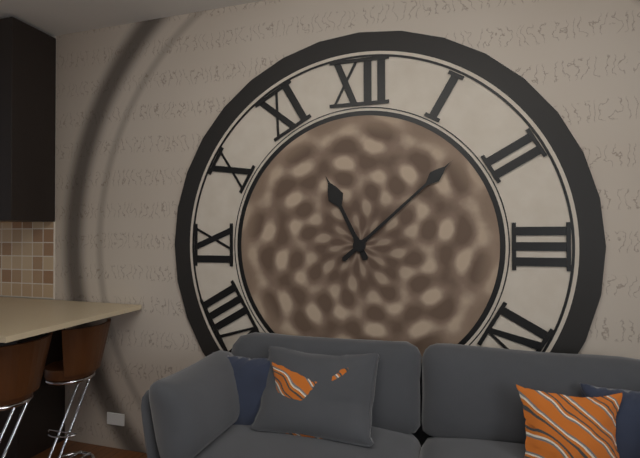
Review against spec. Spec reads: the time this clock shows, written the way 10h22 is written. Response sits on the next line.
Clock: 11h08
